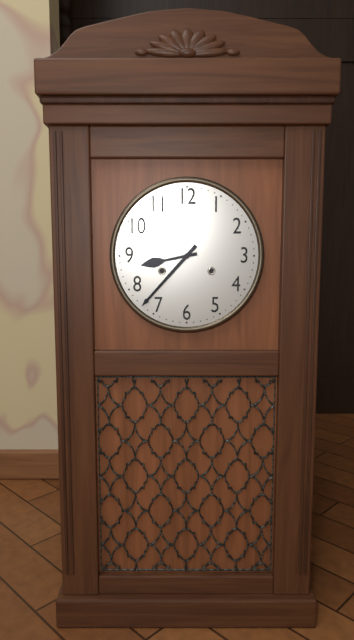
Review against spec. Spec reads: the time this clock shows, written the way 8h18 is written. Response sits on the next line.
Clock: 8h37
